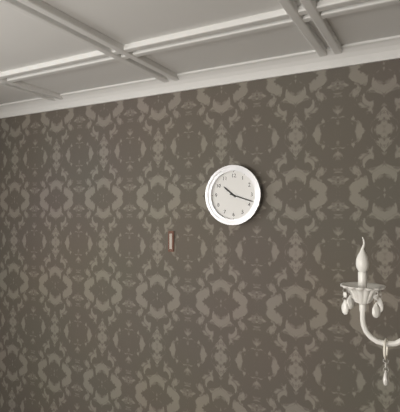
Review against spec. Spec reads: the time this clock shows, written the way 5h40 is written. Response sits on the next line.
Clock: 10h18
